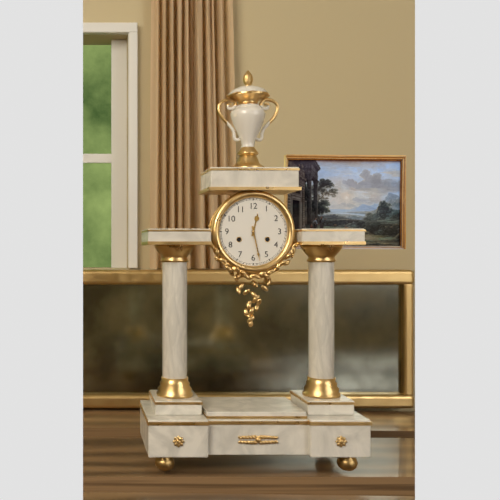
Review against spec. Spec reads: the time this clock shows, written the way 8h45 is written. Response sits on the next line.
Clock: 12h28
